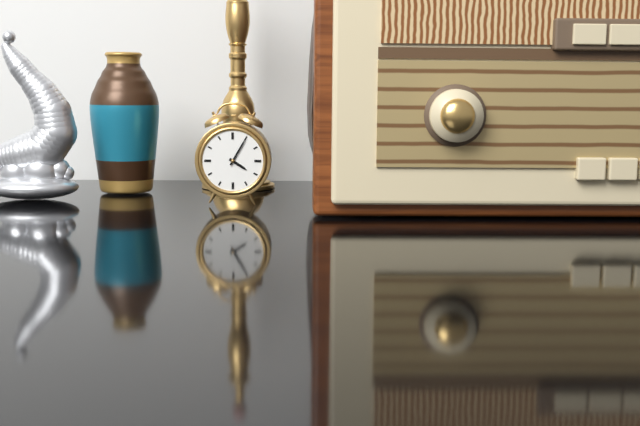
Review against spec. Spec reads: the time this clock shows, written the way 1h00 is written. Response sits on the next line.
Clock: 4h05
